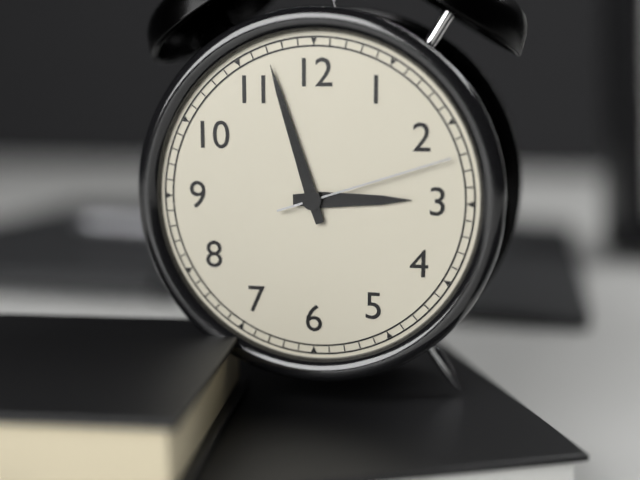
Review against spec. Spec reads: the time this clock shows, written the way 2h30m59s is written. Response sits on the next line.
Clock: 2h57m12s
